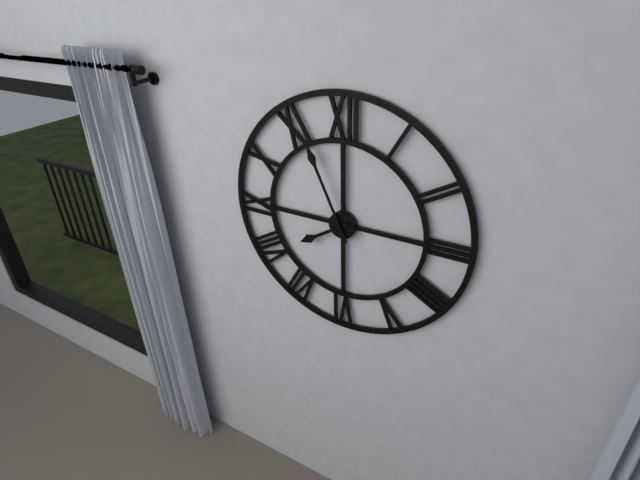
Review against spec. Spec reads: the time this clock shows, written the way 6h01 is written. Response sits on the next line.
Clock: 7h56
